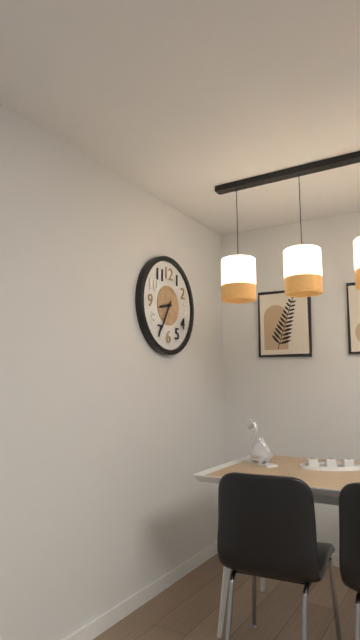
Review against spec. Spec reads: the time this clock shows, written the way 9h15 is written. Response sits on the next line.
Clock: 8h35
